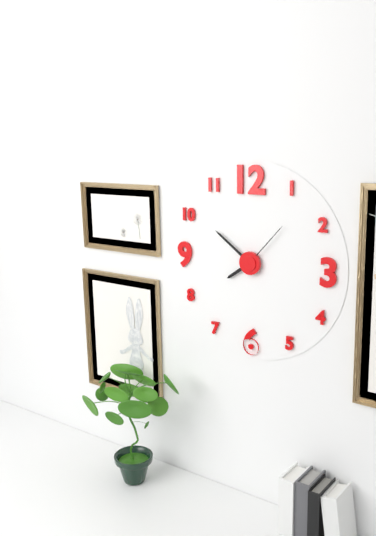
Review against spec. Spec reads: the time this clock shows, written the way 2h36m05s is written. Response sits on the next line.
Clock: 7h51m07s
